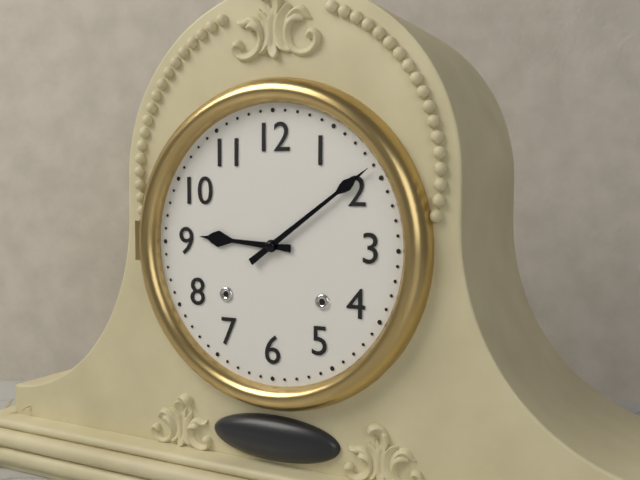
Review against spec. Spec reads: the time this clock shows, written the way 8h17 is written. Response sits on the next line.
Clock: 9h09
